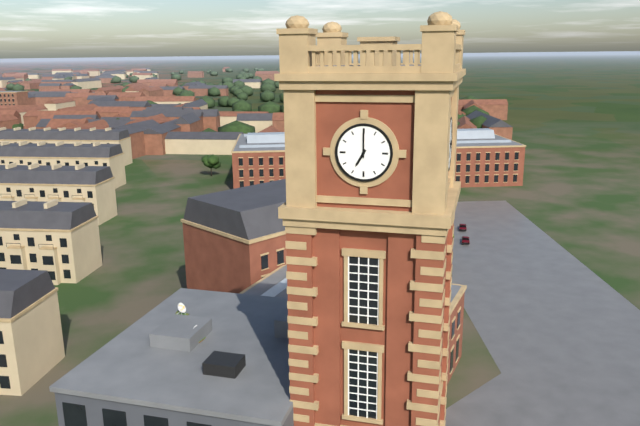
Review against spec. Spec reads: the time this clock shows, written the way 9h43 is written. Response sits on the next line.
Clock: 7h00
